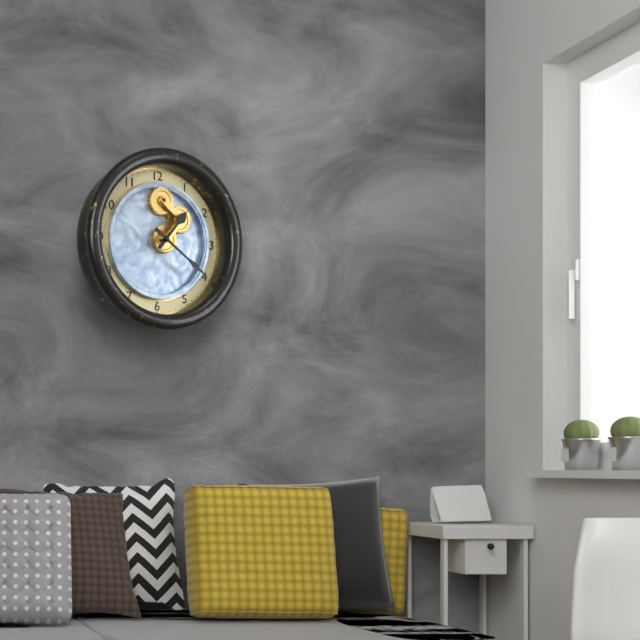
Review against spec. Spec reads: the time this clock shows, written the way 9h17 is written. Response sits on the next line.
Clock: 1h21
